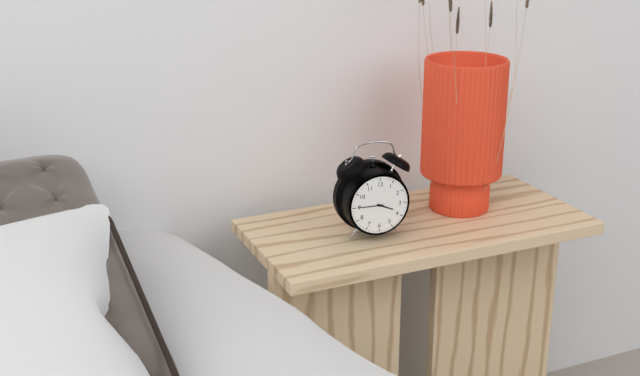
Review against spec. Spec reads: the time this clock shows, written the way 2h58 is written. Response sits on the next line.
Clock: 3h45
